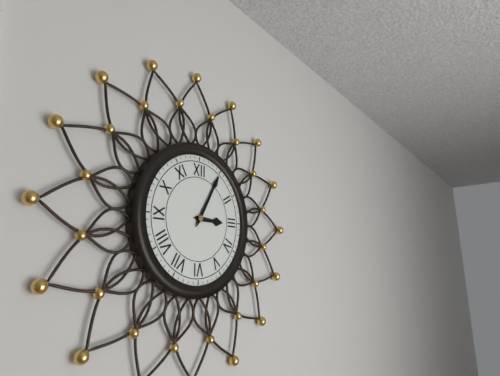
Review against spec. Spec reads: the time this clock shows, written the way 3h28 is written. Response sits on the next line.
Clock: 3h05
